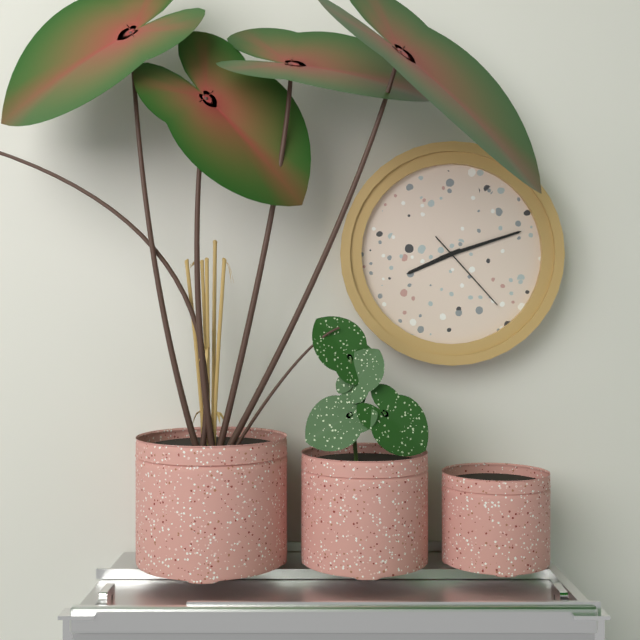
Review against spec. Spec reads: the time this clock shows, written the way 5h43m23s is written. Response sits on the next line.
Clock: 8h12m23s
